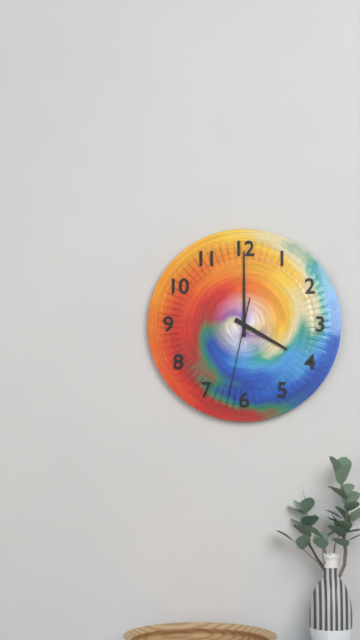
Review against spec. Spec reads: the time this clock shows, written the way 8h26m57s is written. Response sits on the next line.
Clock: 4h00m32s
